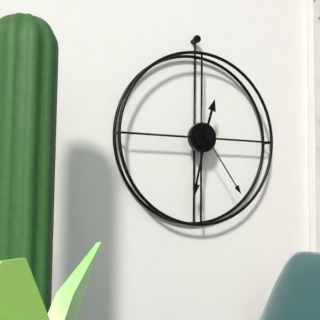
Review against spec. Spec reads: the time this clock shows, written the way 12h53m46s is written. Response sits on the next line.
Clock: 12h32m24s
